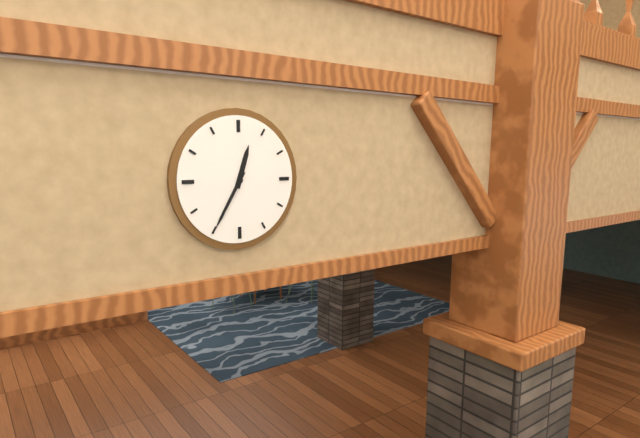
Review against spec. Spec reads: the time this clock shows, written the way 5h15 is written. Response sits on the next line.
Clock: 12h35
